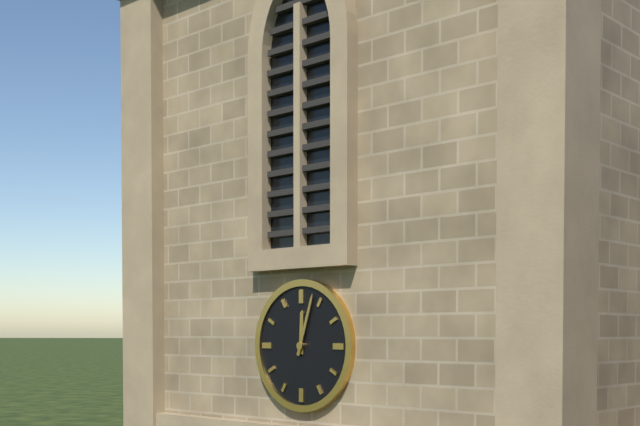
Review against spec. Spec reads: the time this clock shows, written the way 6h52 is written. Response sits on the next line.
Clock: 12h03
